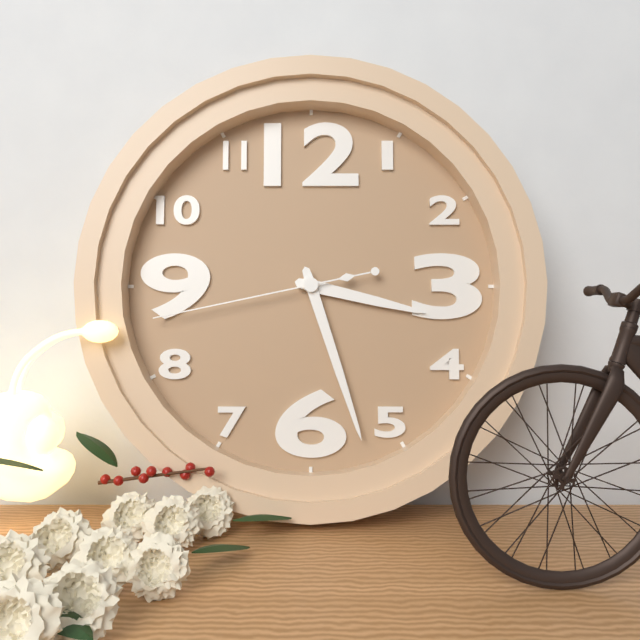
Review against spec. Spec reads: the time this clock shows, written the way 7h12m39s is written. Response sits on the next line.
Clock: 3h27m43s
